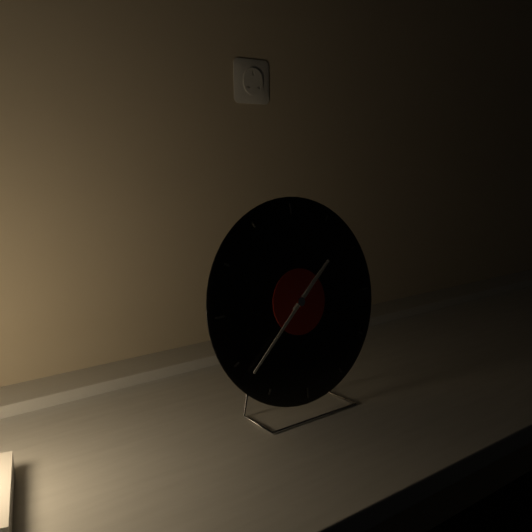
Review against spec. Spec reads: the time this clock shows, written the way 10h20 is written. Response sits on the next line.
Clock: 1h38
